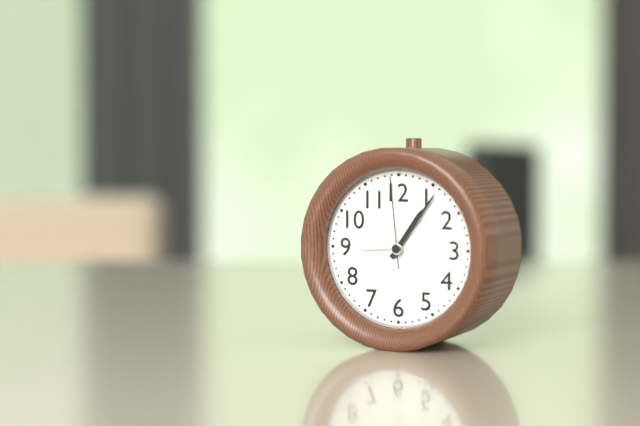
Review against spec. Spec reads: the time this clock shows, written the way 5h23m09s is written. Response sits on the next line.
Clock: 1h06m59s
